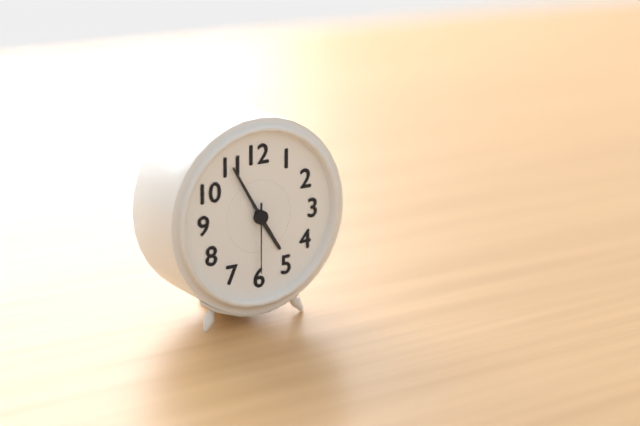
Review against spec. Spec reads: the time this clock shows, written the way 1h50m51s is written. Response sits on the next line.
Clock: 4h55m30s
